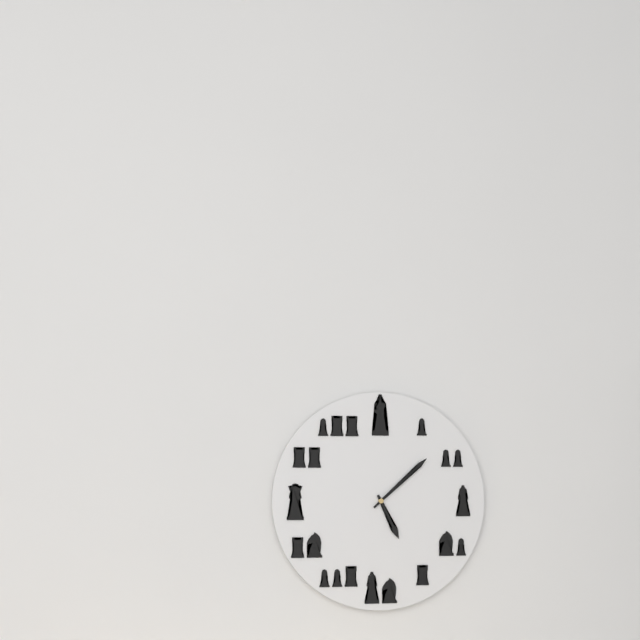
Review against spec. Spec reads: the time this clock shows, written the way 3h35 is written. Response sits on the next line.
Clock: 5h08
